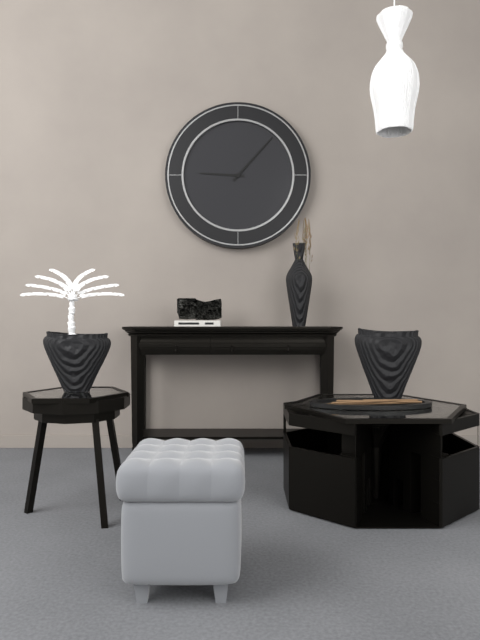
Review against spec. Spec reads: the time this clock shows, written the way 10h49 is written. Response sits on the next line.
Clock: 9h07
